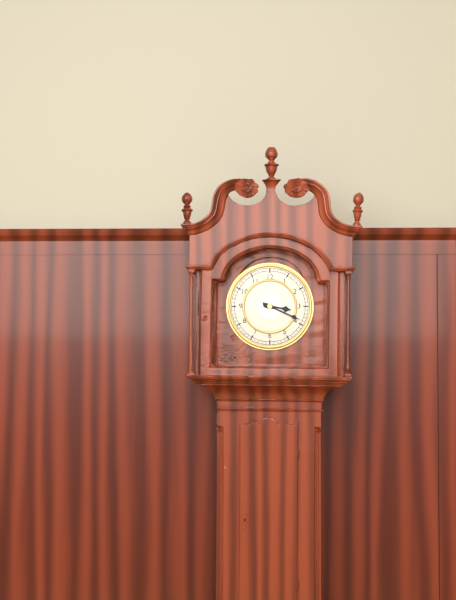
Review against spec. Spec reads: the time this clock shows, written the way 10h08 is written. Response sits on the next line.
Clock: 3h19
